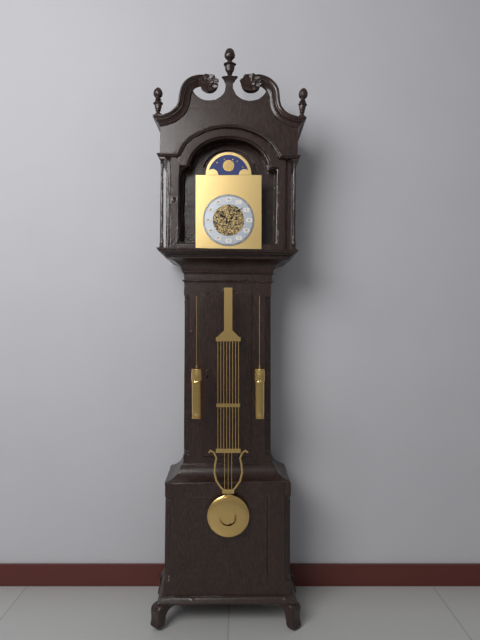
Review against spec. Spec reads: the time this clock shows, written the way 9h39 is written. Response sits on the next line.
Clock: 10h08
